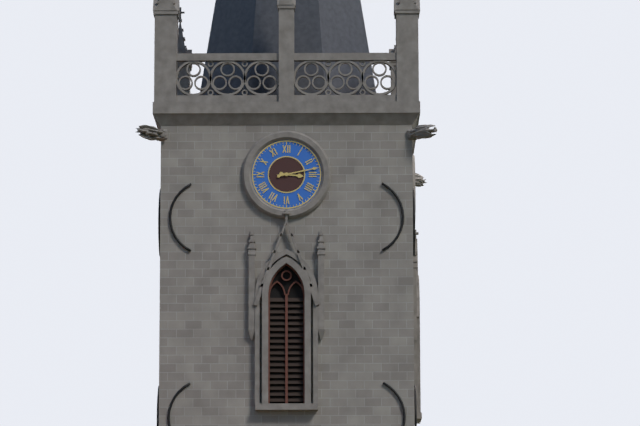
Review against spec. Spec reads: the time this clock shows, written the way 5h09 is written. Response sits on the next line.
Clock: 3h13
